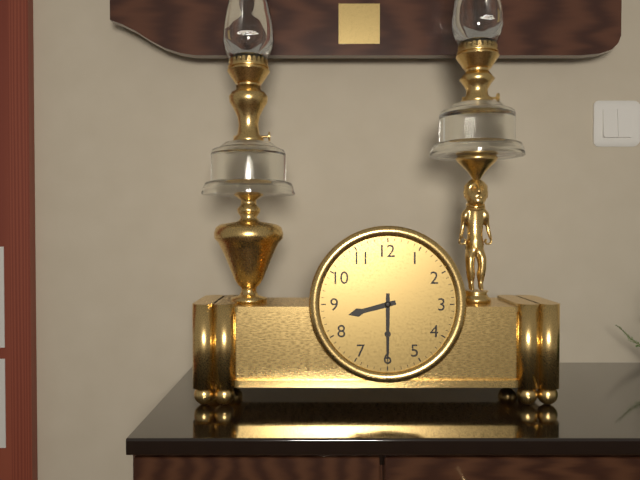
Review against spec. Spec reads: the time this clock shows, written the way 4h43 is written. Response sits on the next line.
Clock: 8h30
